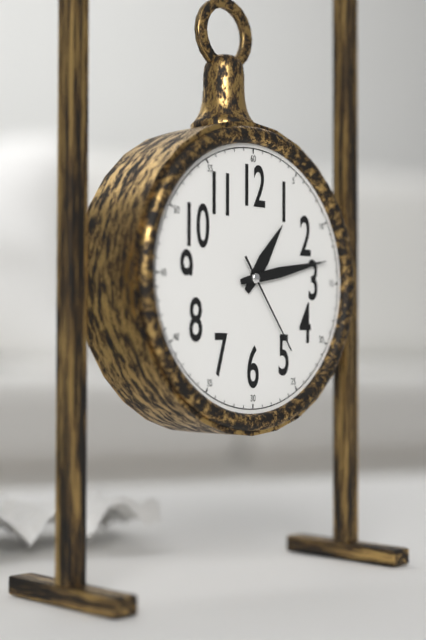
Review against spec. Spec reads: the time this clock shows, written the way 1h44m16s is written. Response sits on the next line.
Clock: 1h13m24s
